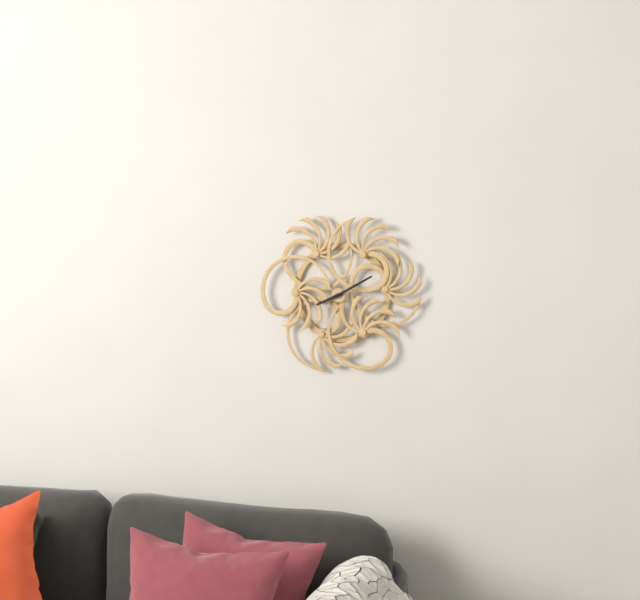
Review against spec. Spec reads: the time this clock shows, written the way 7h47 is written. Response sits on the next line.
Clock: 8h10
